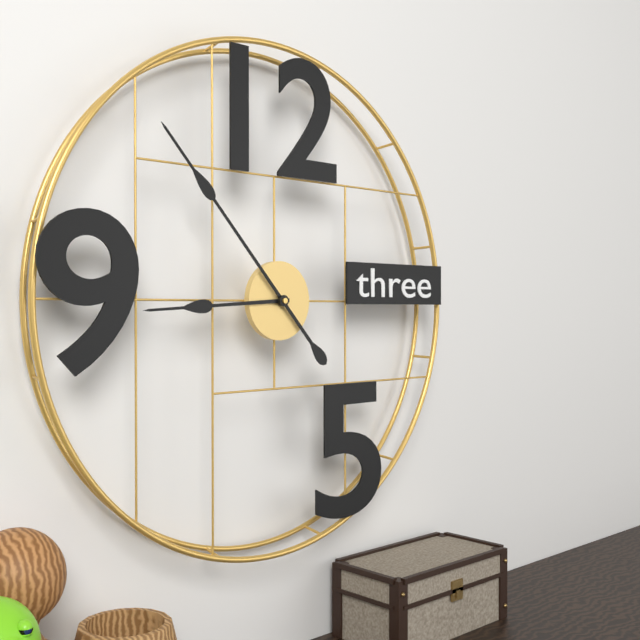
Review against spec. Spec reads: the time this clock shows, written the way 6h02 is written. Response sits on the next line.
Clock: 8h53
